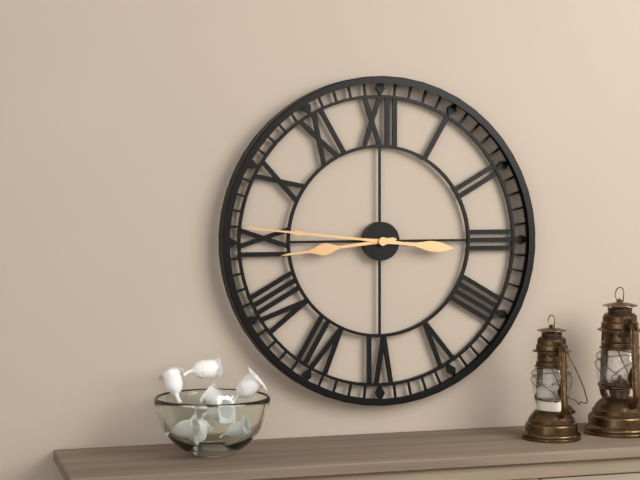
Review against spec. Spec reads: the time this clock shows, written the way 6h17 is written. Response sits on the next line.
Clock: 8h46
